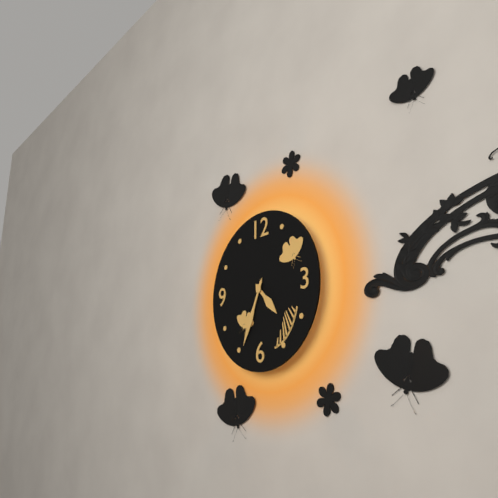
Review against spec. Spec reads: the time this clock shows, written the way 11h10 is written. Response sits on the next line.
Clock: 4h34
